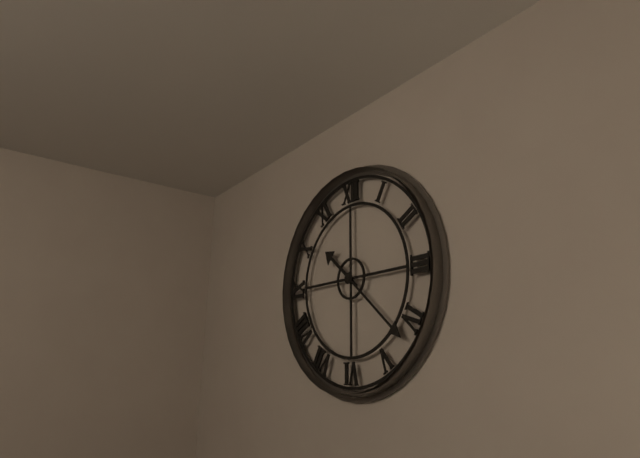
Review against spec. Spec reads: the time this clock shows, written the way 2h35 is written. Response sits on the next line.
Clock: 10h22
